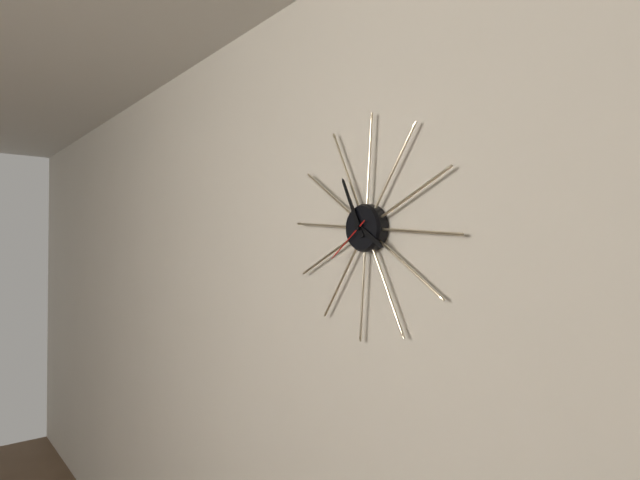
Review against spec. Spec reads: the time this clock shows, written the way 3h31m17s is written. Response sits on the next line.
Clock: 3h55m38s
